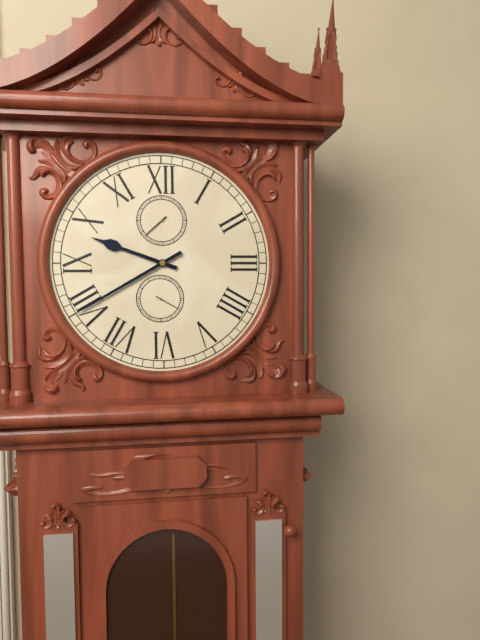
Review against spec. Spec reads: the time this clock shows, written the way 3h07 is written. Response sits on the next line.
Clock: 9h40
